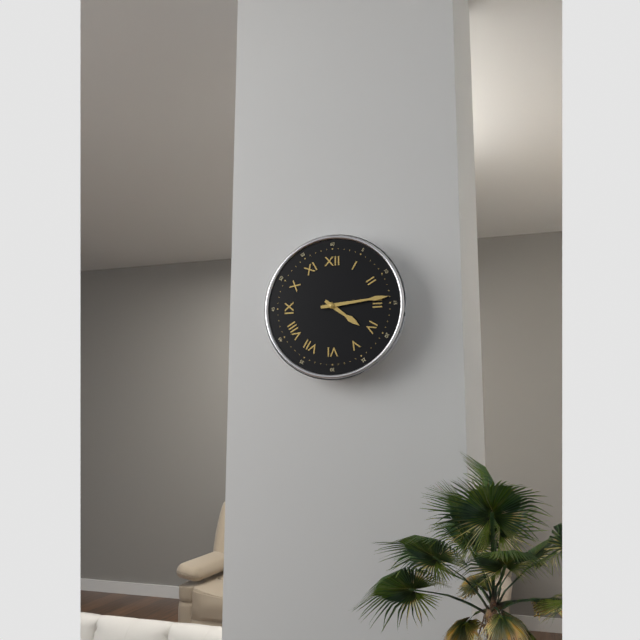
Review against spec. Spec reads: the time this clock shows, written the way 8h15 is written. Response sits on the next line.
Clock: 4h14
